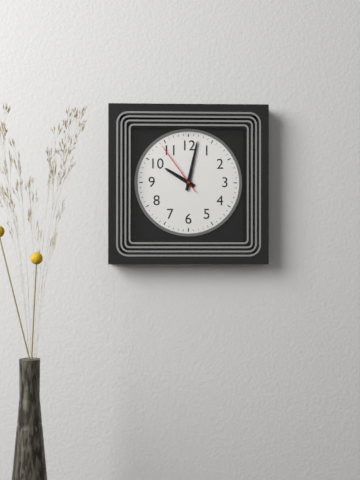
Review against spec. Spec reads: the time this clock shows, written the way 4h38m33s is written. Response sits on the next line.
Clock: 10h02m54s
